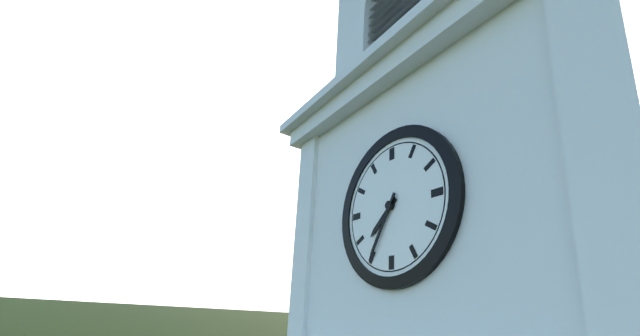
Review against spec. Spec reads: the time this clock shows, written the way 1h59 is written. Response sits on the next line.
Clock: 7h35
